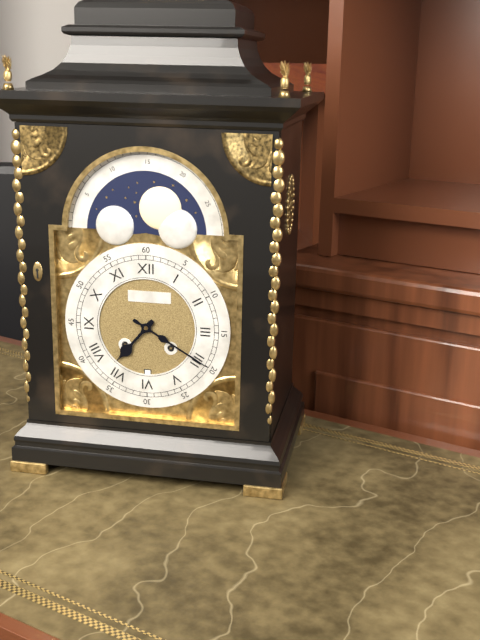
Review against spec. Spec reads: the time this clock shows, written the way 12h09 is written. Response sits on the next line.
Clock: 7h20
